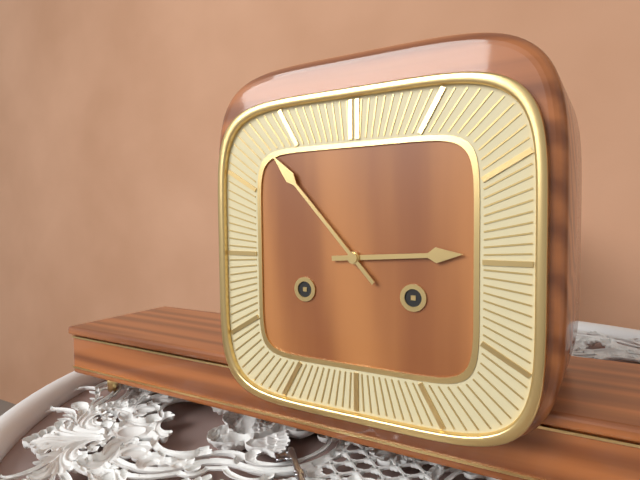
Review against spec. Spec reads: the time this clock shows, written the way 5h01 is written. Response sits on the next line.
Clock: 2h53
